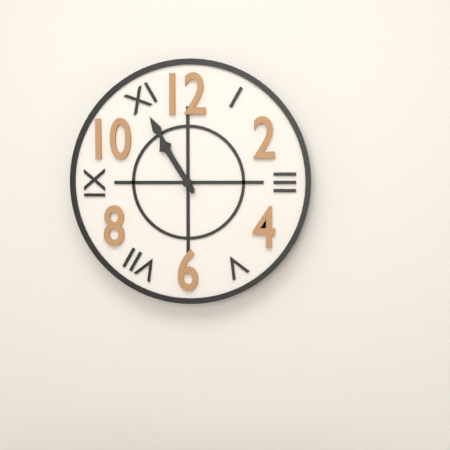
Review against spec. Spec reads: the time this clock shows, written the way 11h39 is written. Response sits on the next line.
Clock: 10h55
